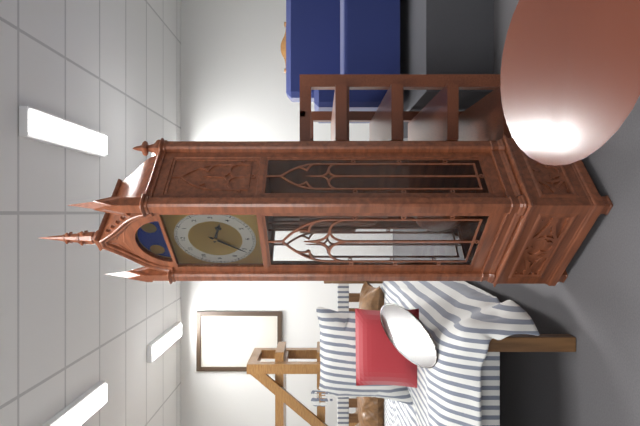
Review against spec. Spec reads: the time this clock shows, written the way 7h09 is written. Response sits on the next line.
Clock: 3h36
